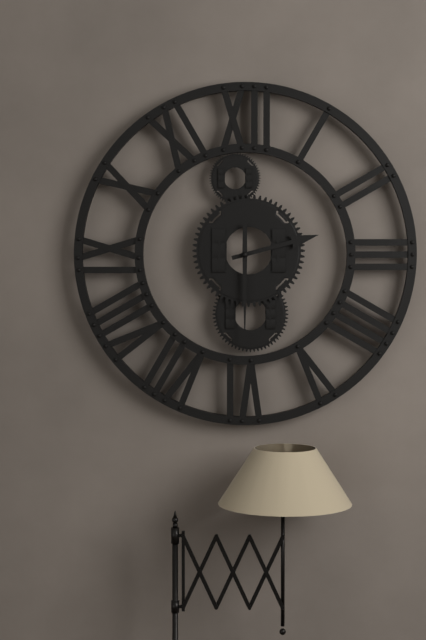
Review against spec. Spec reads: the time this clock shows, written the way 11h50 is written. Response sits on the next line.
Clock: 2h30
